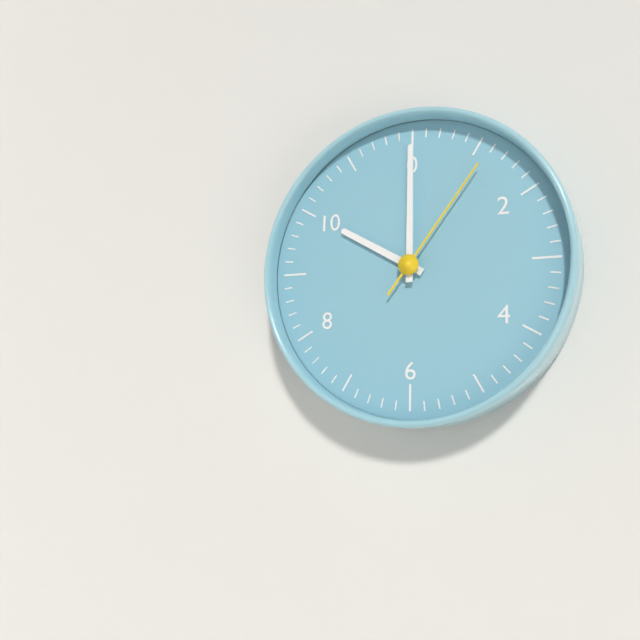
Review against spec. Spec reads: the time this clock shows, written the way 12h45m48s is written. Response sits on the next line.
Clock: 10h00m06s
